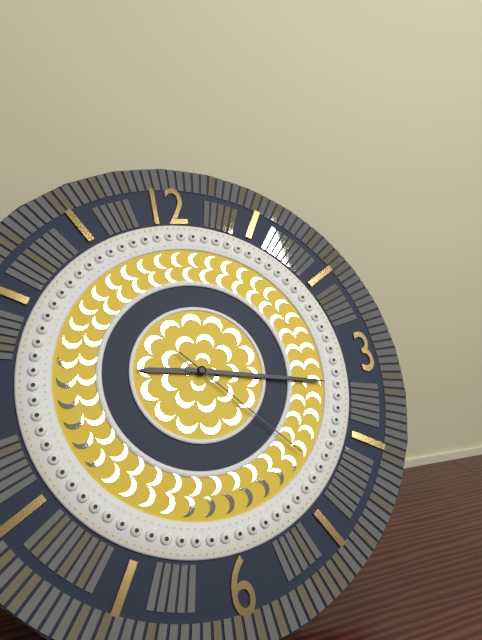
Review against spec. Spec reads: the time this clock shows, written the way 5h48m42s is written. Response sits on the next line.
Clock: 9h17m23s
